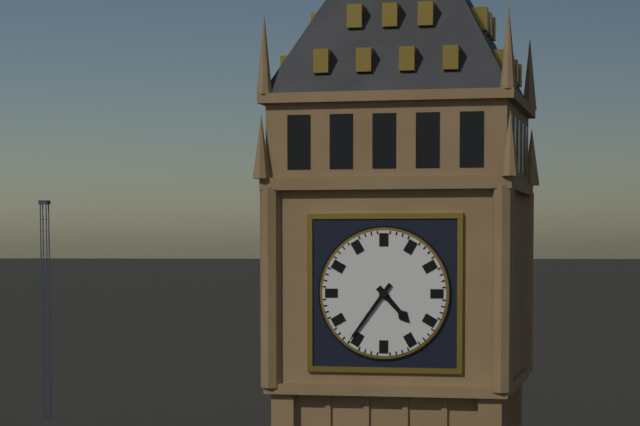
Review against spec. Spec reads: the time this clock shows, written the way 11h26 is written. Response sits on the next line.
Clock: 4h36
